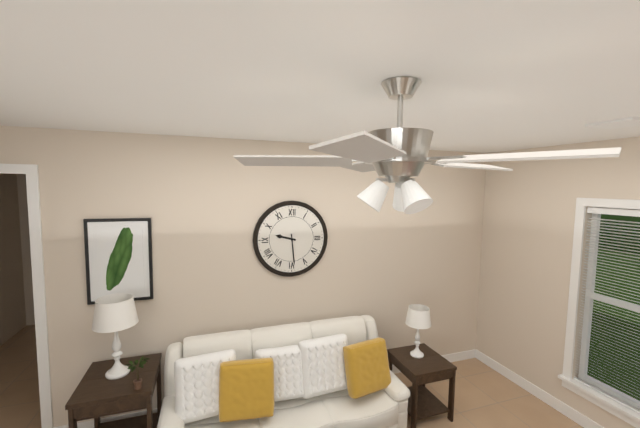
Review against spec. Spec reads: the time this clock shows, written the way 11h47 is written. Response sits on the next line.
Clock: 9h29
